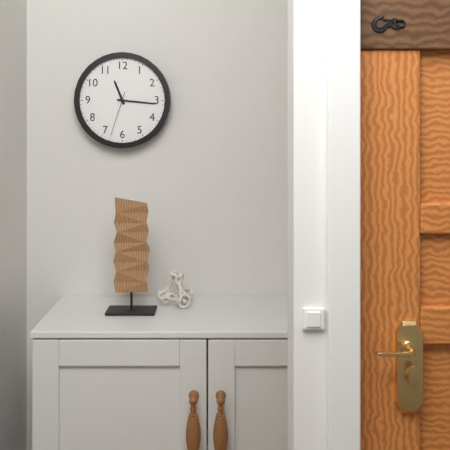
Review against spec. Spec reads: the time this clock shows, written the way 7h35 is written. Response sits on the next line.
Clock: 11h16
